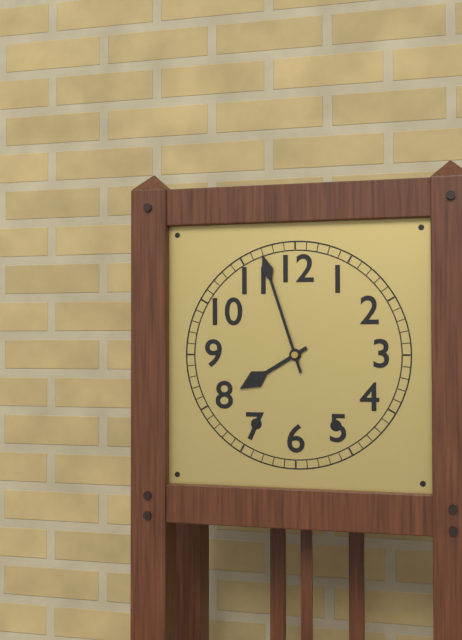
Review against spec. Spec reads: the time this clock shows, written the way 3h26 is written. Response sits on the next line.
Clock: 7h57
